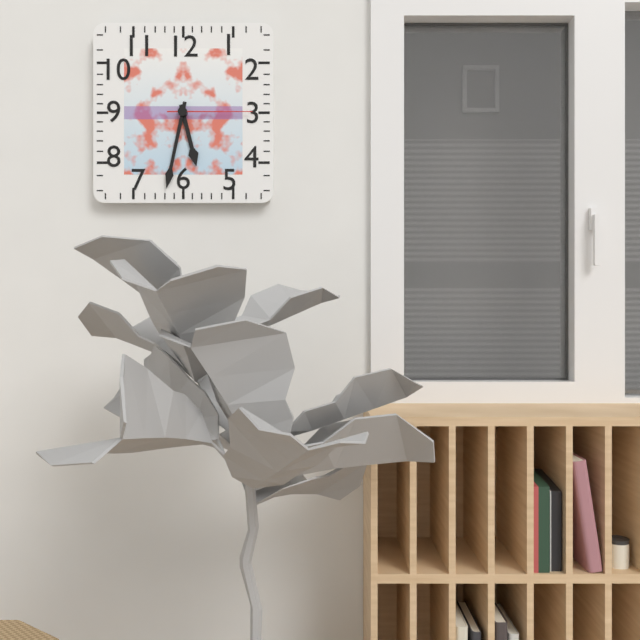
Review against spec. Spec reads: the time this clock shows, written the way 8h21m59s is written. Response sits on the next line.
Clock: 5h32m15s
